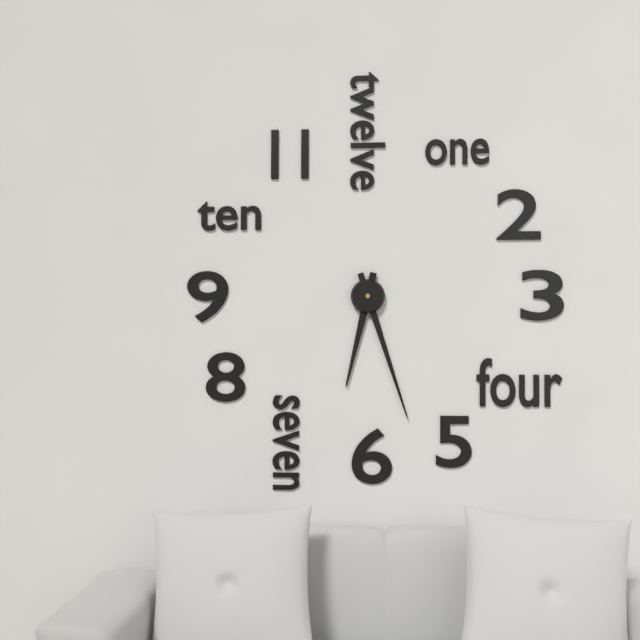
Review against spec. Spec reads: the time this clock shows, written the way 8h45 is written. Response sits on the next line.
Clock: 6h27
